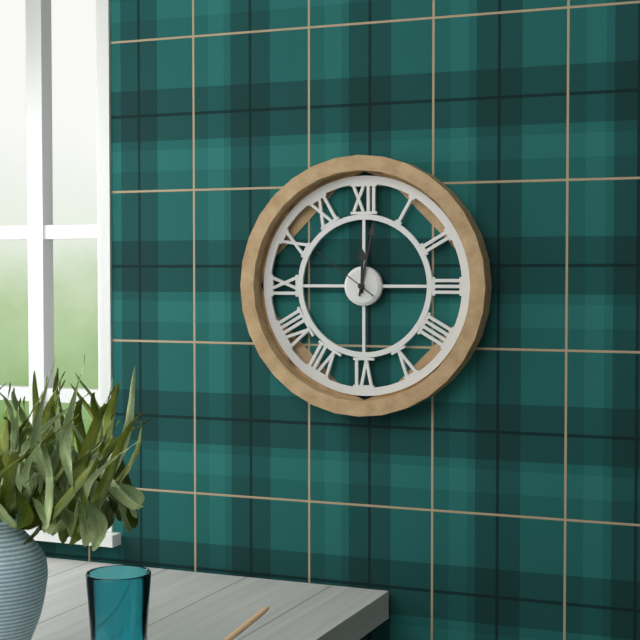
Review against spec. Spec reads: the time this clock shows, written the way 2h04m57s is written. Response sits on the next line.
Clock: 12h02m51s
